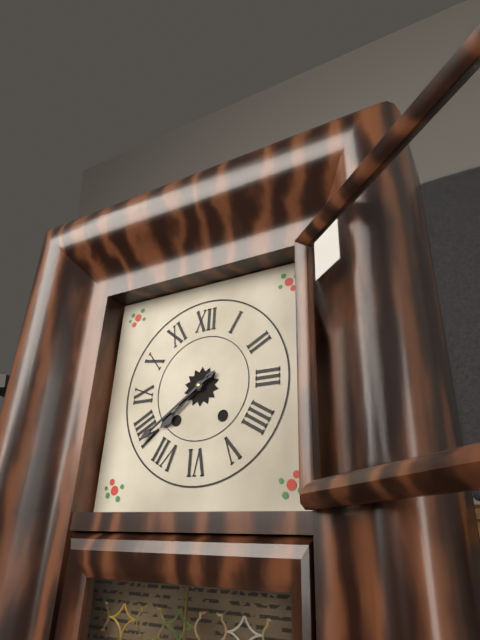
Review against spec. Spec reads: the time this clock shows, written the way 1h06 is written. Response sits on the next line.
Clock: 7h39
